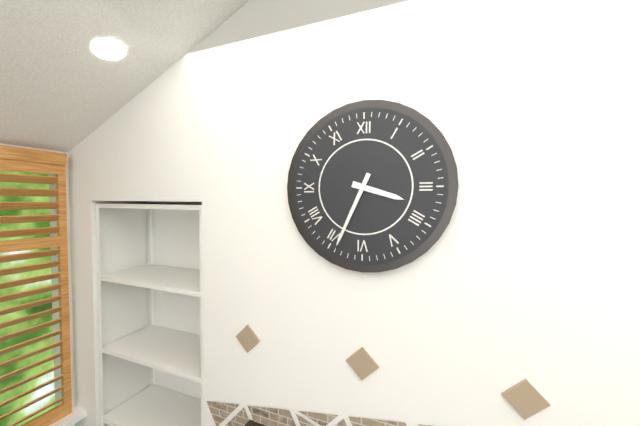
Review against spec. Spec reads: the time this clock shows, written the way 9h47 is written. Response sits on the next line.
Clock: 3h34
